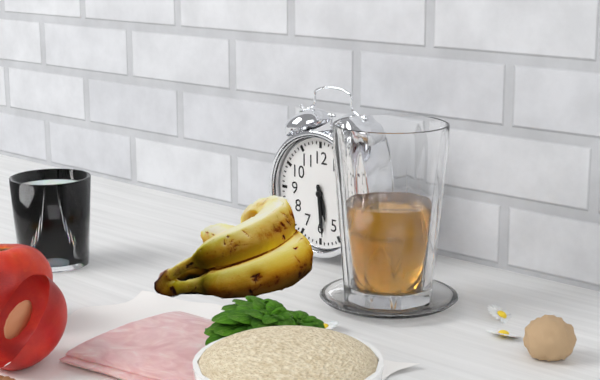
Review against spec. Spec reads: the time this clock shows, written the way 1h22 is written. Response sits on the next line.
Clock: 5h29
